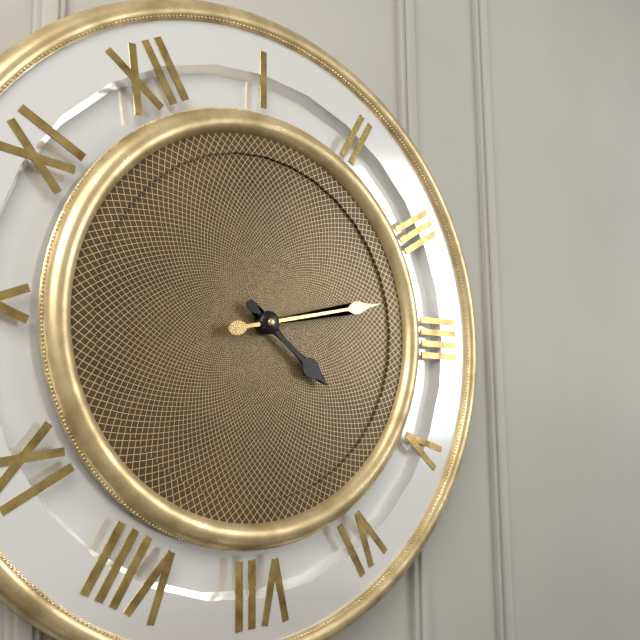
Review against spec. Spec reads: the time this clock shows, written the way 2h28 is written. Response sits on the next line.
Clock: 5h18
